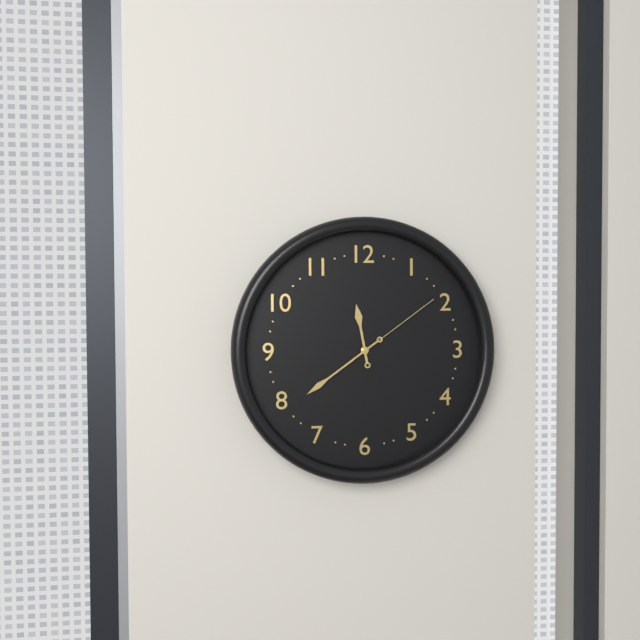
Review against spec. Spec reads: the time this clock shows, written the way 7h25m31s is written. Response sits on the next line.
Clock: 11h39m09s
